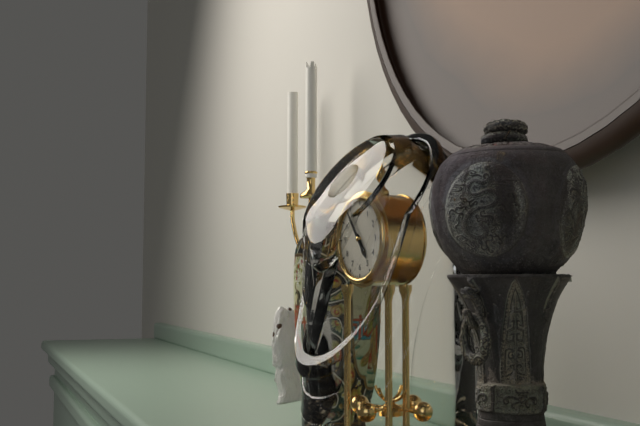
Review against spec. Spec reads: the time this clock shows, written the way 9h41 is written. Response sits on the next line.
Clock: 4h54
